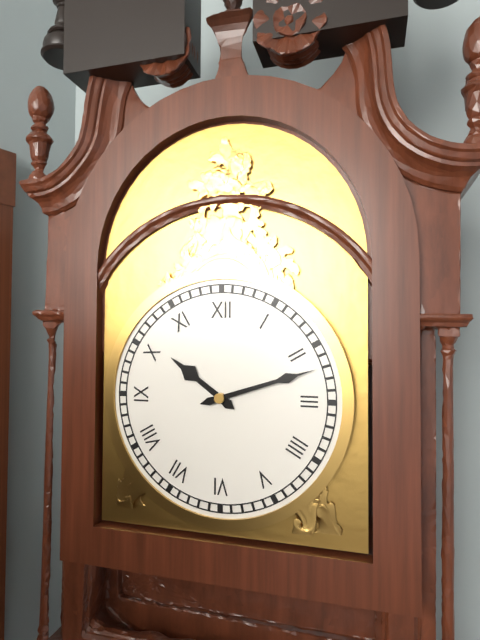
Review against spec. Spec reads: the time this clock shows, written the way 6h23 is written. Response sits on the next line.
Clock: 10h12
